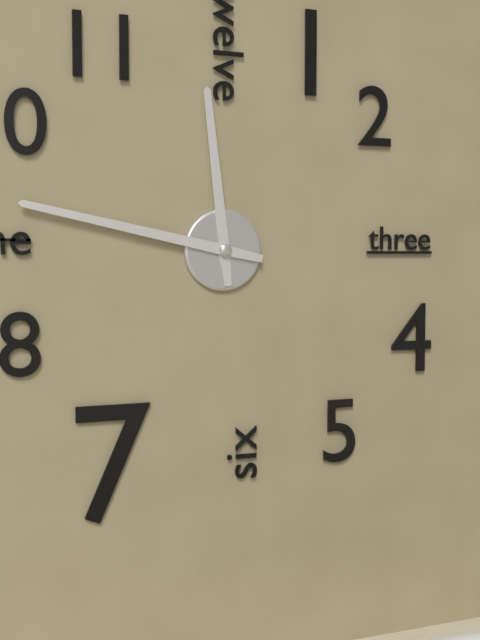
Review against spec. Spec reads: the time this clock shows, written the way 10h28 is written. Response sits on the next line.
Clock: 11h47
